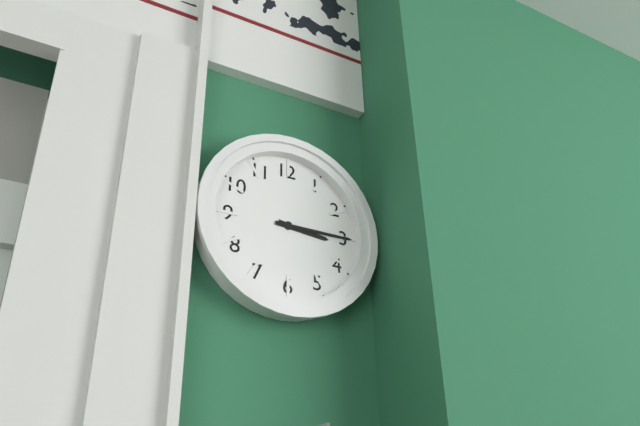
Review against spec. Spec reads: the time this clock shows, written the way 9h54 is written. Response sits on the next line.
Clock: 3h15
